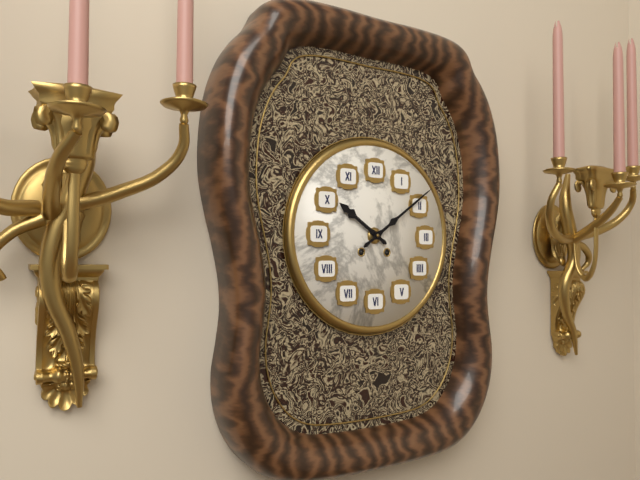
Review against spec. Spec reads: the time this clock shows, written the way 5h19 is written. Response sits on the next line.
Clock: 10h09
